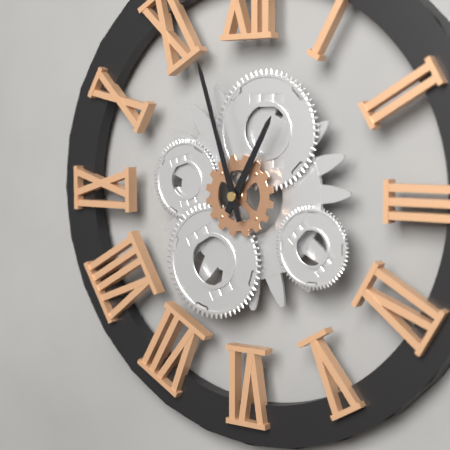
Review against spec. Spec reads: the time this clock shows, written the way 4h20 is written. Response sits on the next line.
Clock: 12h57
